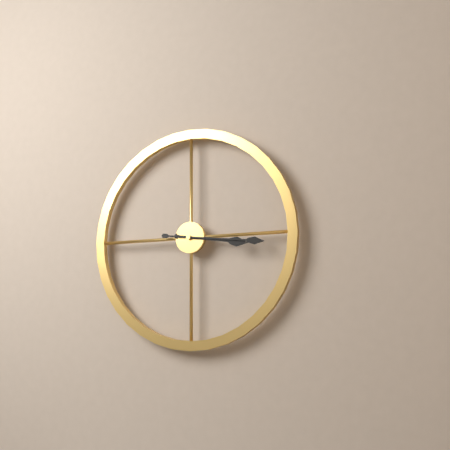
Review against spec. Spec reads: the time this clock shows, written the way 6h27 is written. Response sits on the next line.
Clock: 3h16
